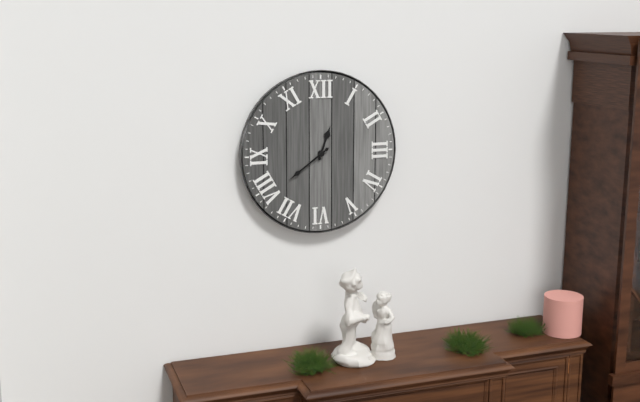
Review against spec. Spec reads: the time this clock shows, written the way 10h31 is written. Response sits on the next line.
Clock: 12h39
